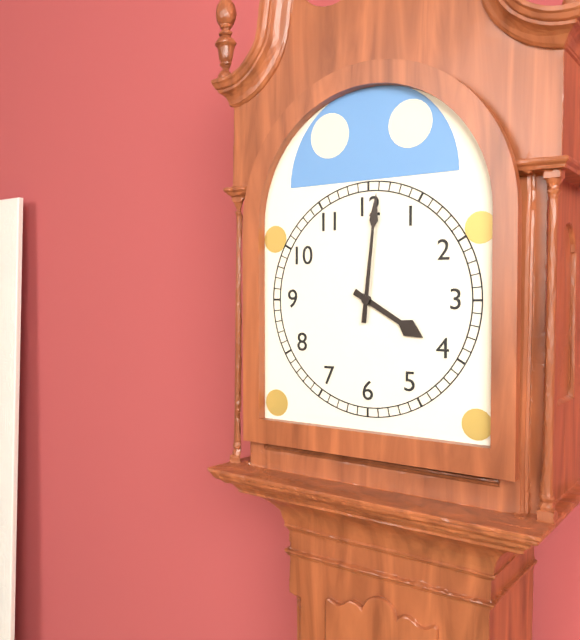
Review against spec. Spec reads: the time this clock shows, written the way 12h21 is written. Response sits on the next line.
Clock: 4h01
